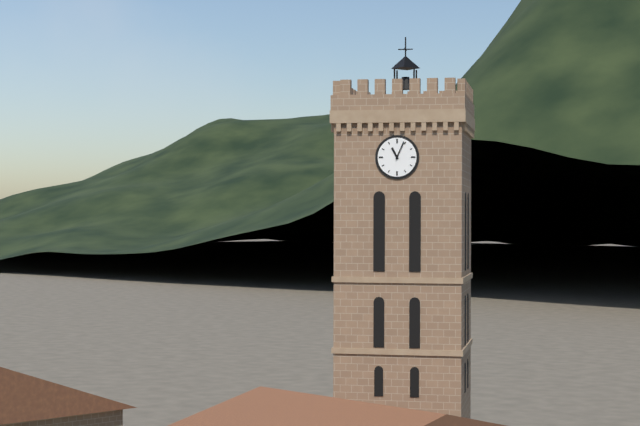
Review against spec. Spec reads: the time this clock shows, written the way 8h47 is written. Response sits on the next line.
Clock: 11h04
